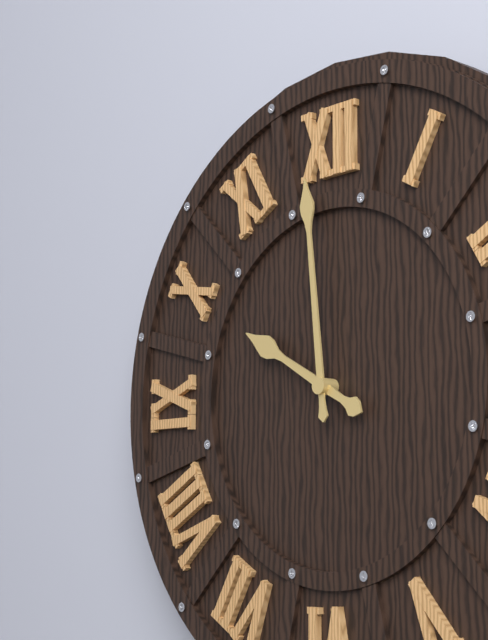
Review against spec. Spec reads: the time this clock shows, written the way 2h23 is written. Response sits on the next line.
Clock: 9h59
